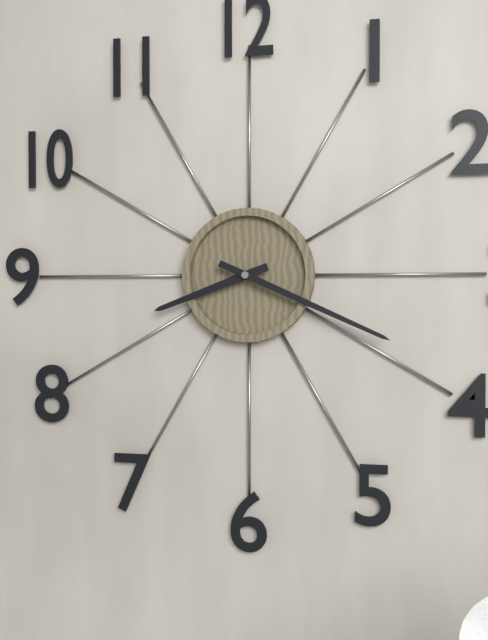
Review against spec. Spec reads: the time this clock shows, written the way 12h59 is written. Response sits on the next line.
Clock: 8h19
